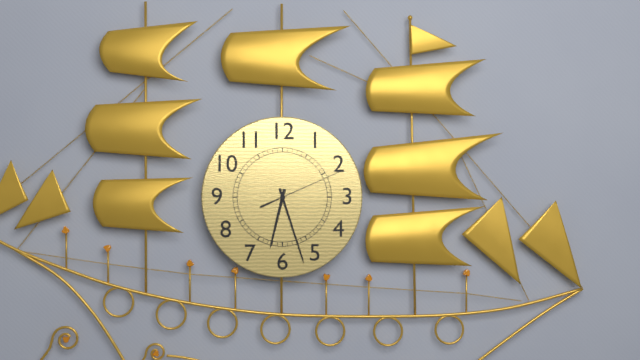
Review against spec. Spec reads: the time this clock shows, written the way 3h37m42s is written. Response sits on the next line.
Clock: 6h27m11s
